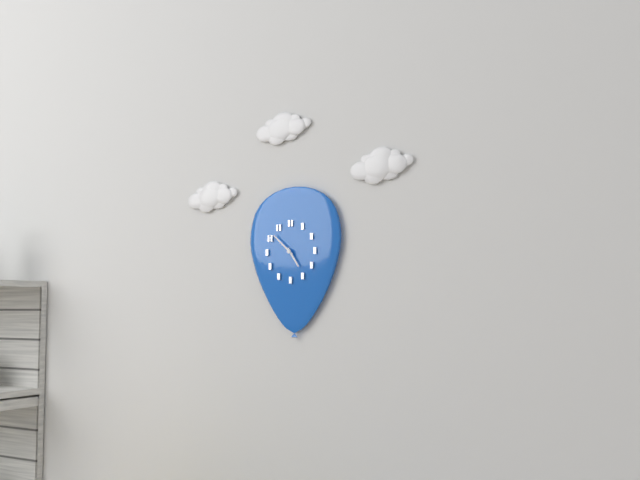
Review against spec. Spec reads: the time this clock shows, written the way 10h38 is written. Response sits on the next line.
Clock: 4h52
